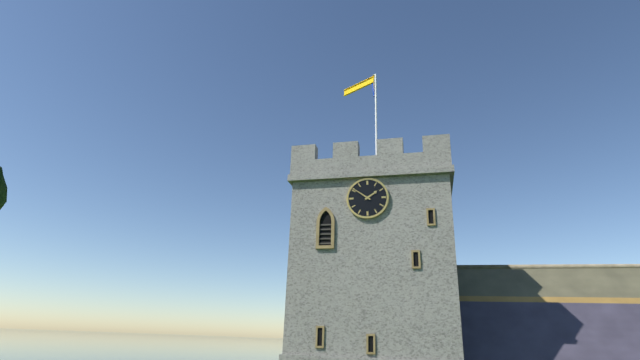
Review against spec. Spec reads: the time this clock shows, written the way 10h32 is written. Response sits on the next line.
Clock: 1h51
